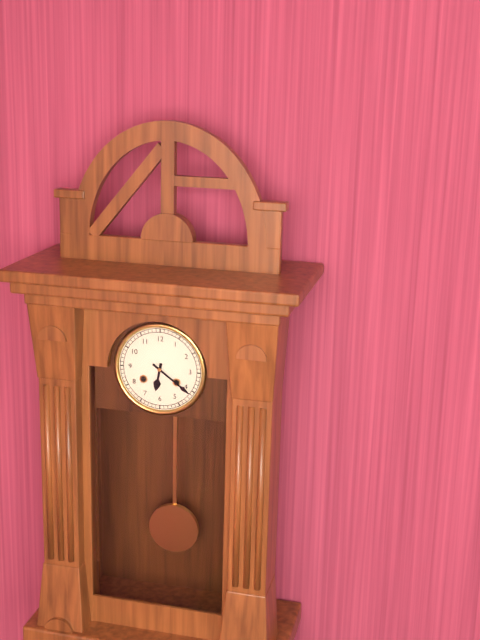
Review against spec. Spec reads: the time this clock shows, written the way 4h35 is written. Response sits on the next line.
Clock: 6h21
